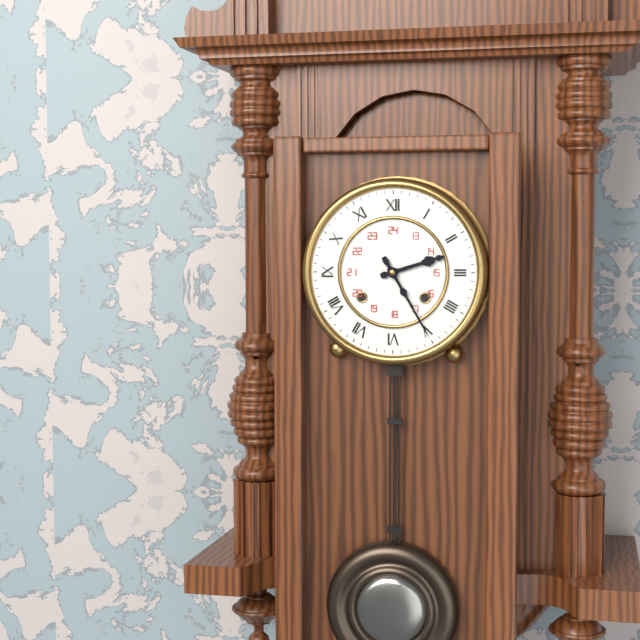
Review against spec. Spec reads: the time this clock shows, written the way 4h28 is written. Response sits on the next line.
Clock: 2h25
